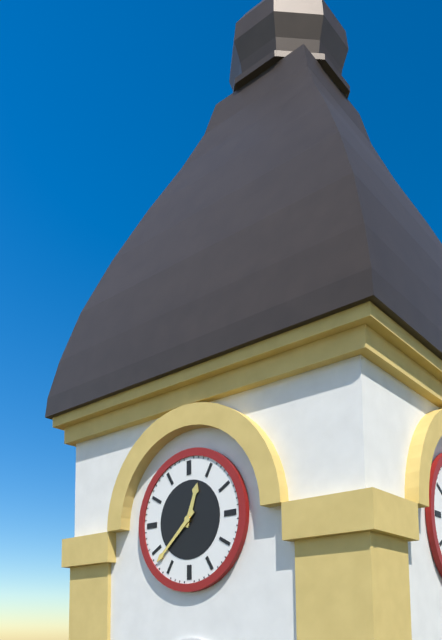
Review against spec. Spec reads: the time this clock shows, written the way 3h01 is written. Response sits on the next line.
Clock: 12h38
